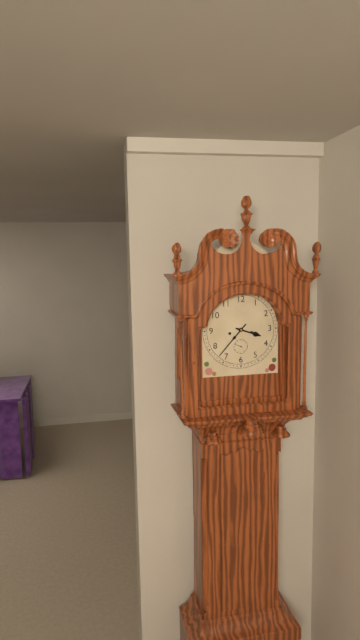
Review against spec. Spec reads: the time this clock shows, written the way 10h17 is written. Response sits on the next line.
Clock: 3h37
